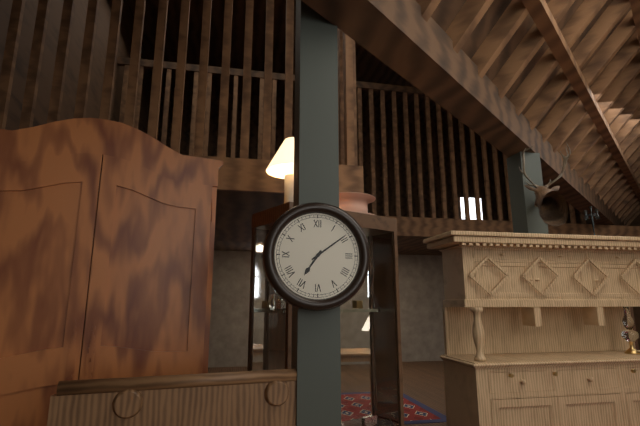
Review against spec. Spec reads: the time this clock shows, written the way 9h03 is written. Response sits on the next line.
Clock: 7h09
